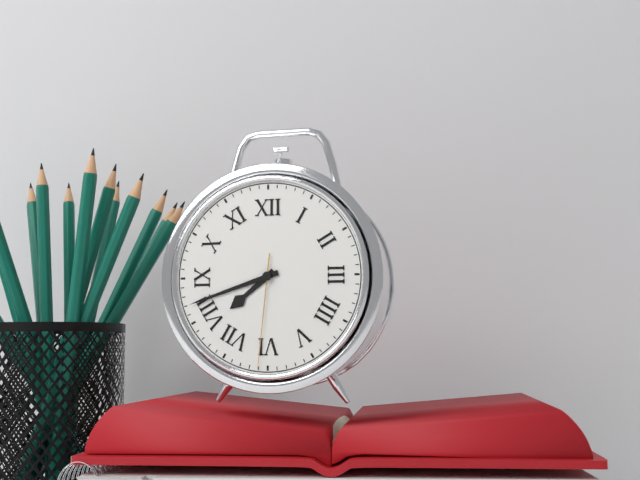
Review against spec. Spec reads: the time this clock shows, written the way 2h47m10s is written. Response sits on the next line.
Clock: 7h42m31s
